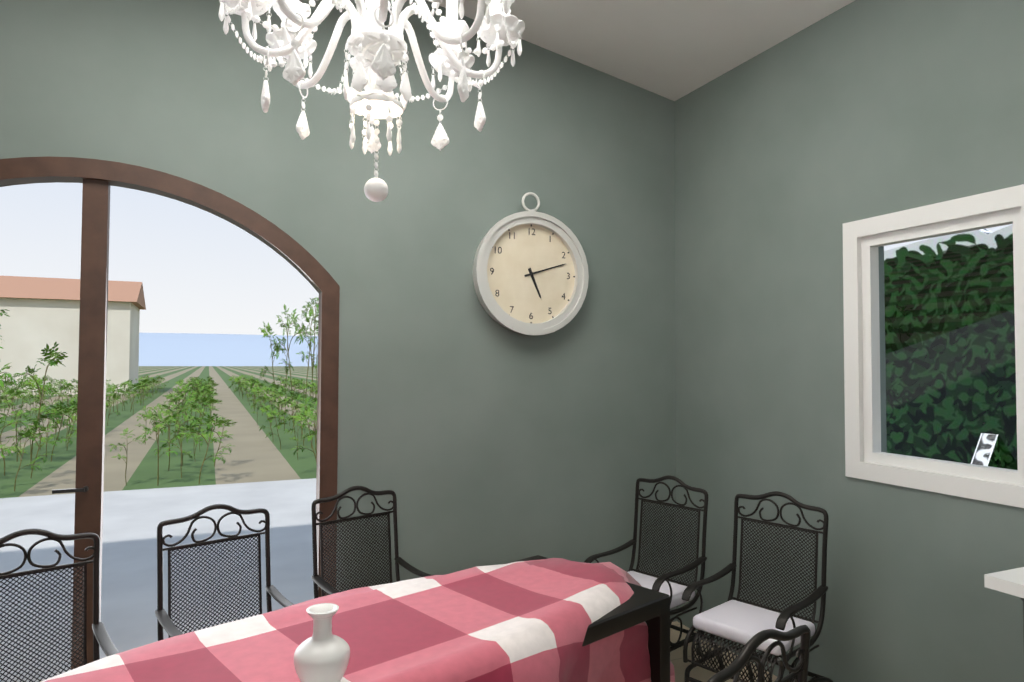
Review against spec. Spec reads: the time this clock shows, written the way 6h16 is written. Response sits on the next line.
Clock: 5h12
